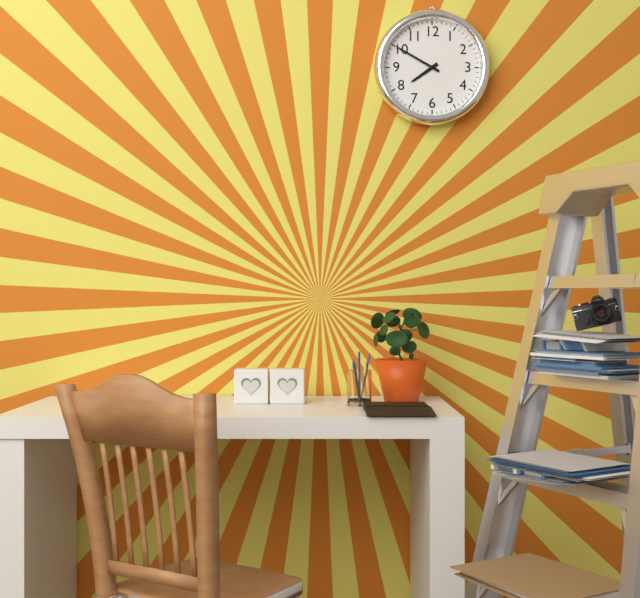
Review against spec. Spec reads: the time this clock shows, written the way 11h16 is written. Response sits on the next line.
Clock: 7h50
